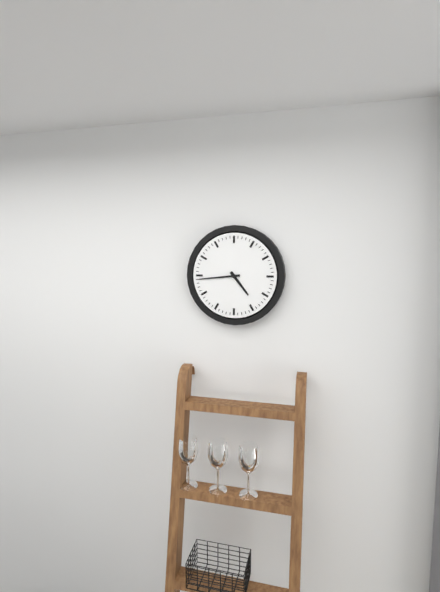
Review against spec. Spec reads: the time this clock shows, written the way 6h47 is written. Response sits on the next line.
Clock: 4h44
